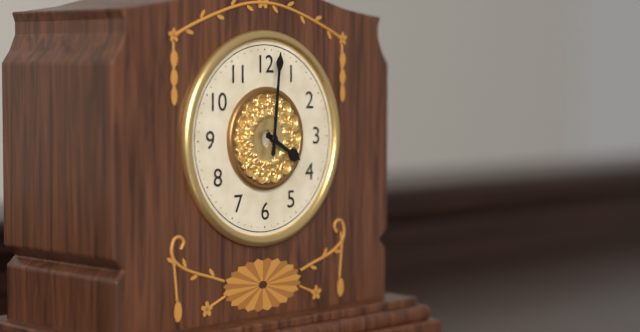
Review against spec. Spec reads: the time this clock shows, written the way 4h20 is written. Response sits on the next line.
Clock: 4h01
